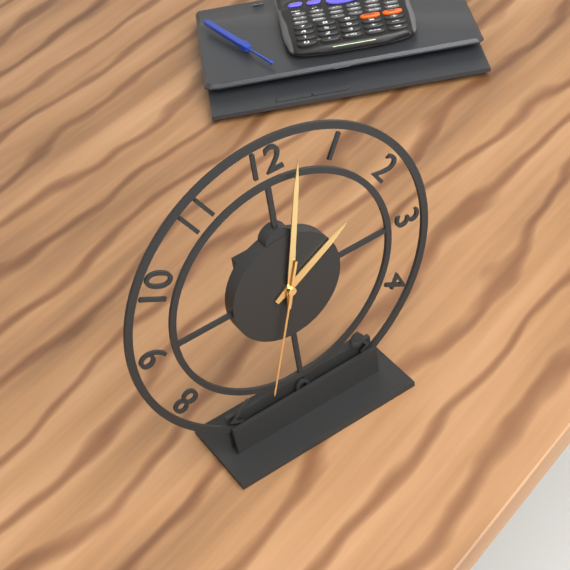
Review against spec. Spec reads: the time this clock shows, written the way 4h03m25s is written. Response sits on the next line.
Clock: 2h02m33s
